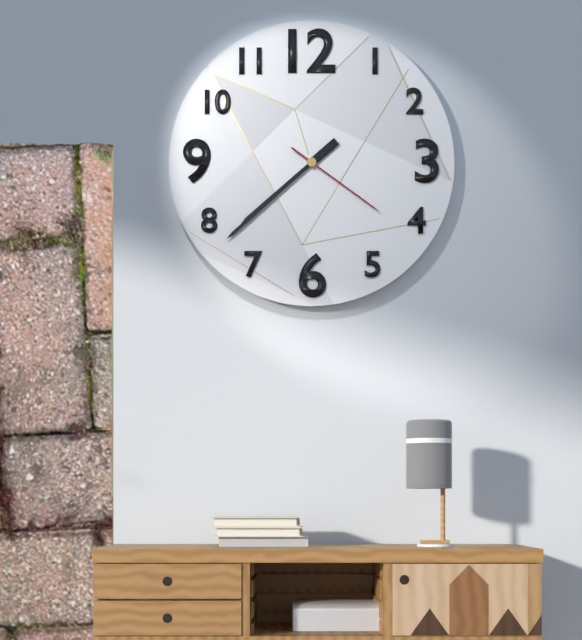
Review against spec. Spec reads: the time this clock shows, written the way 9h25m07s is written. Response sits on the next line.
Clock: 7h38m21s
